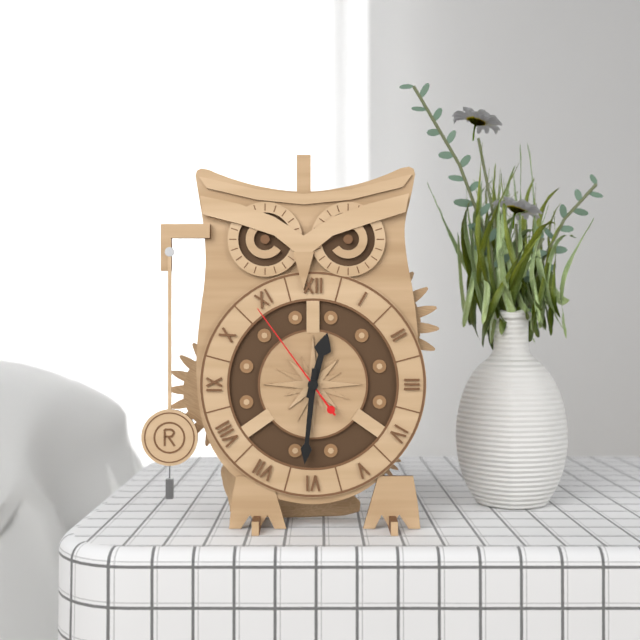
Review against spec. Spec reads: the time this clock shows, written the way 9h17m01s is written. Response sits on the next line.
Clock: 12h31m54s
